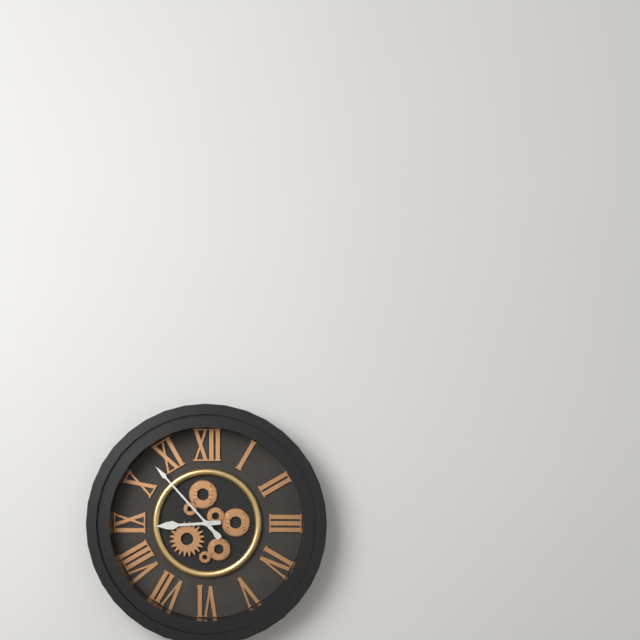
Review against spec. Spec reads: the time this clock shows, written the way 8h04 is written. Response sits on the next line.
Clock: 8h53
